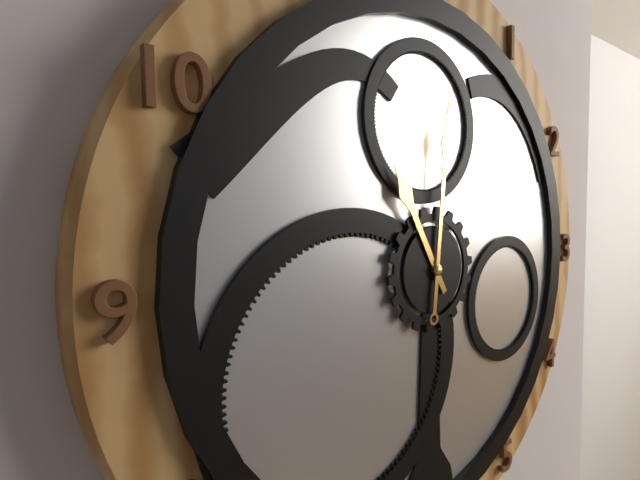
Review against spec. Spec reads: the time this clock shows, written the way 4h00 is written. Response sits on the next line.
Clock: 11h01
